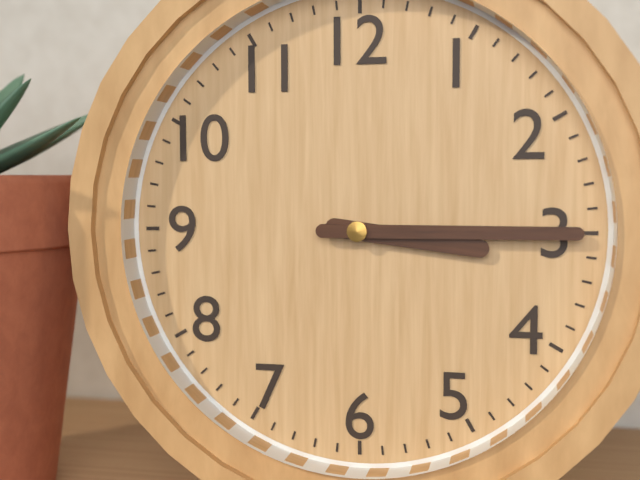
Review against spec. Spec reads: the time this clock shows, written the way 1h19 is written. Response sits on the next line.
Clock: 3h15
